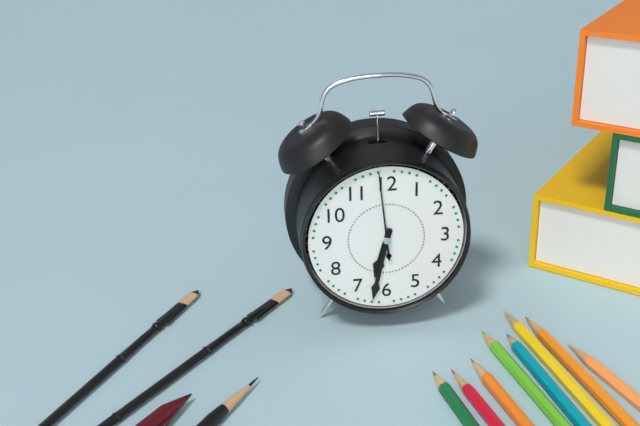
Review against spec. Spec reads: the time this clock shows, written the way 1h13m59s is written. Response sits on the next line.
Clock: 6h32m59s
